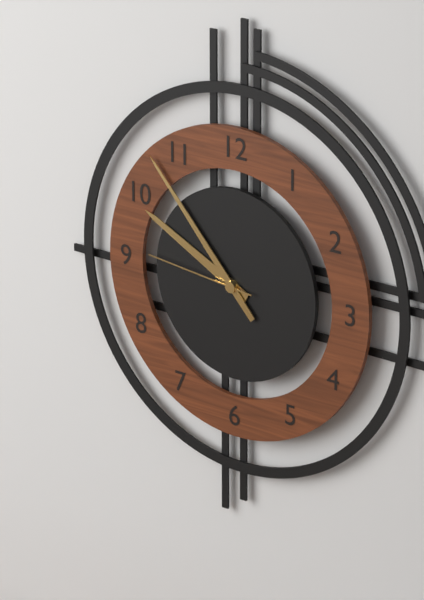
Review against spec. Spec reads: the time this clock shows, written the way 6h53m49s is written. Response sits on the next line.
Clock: 9h53m46s
